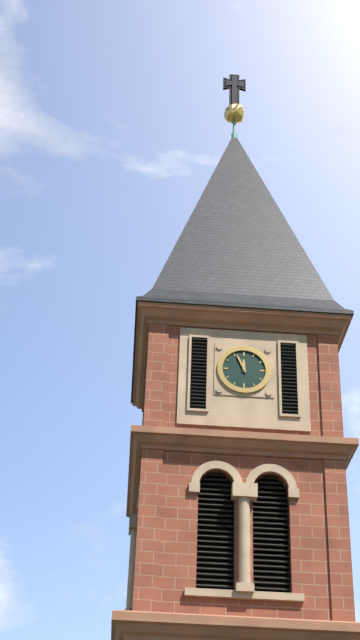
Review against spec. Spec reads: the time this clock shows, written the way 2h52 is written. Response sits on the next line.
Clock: 11h56
